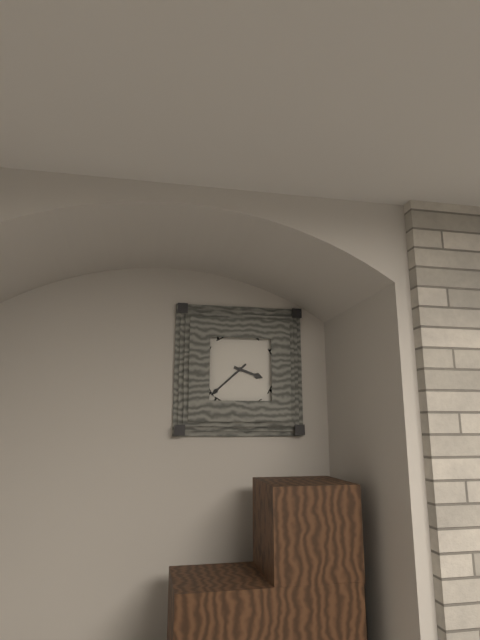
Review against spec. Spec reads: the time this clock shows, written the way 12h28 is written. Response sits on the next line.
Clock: 3h38
